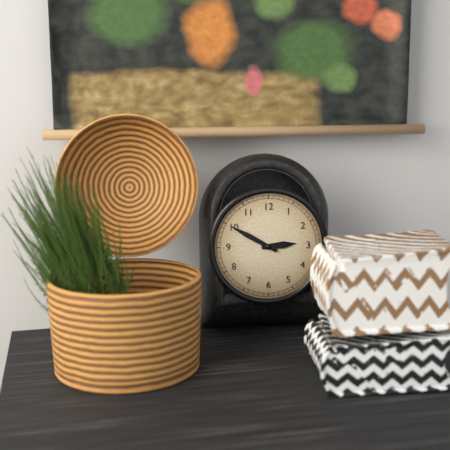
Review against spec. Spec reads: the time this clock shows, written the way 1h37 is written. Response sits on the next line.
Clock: 2h50
